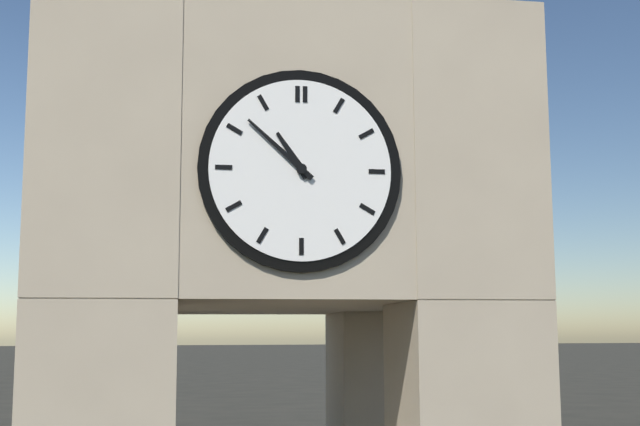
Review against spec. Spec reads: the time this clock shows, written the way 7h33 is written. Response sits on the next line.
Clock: 10h52
